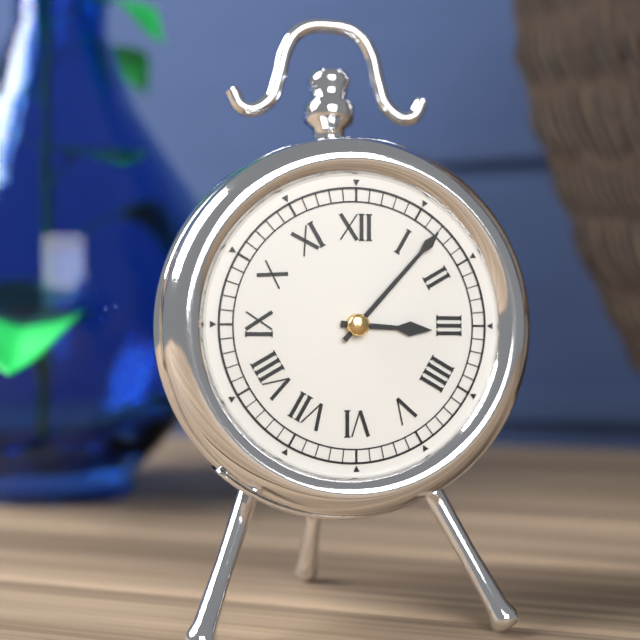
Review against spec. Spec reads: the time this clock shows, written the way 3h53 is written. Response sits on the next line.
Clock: 3h07
